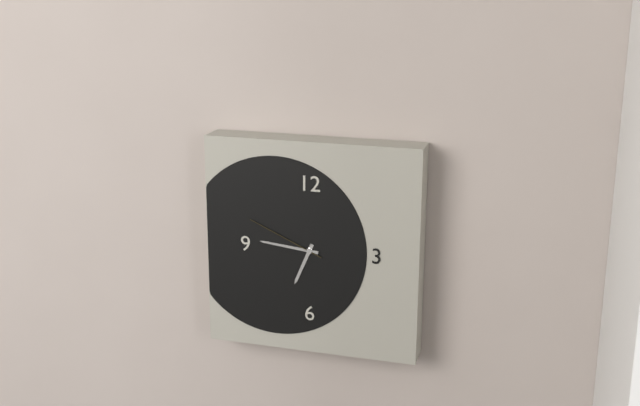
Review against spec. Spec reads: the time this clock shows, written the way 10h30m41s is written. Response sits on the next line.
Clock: 6h46m49s
